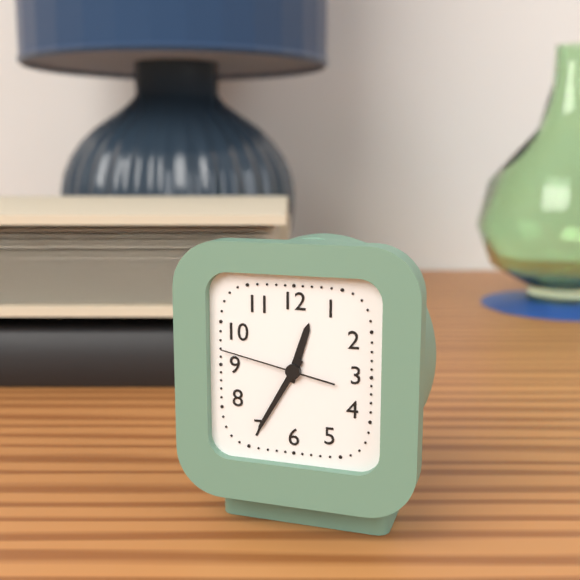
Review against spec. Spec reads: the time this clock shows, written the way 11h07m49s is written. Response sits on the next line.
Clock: 12h35m47s
